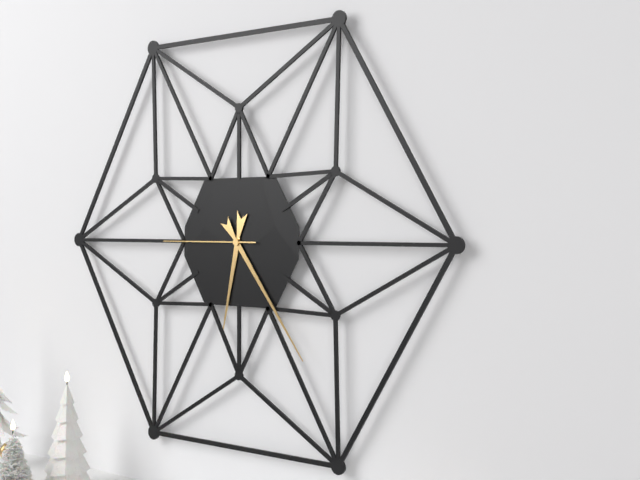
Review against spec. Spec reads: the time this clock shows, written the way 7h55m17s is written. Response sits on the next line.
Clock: 6h24m45s
